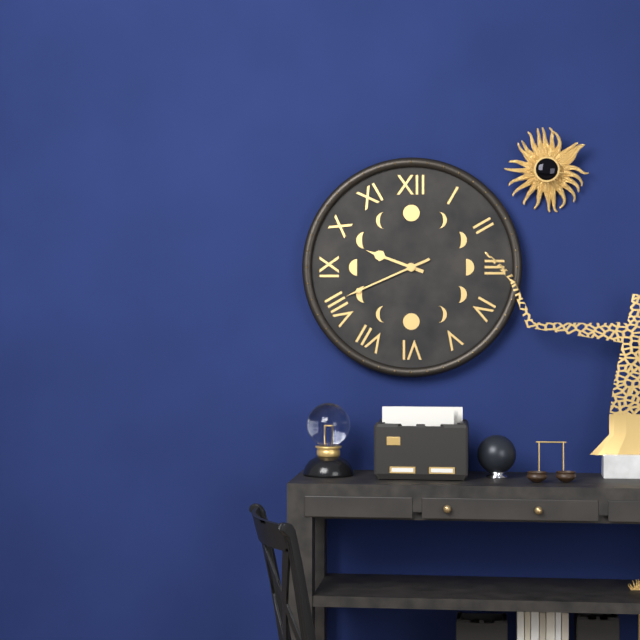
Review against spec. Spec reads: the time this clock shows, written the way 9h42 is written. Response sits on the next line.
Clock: 9h41
